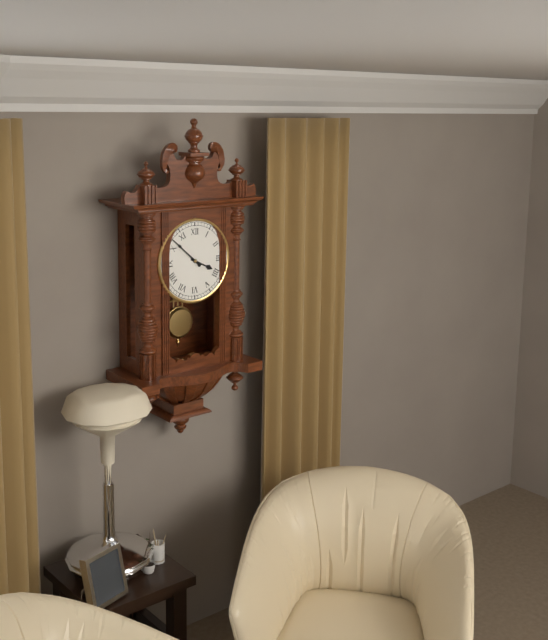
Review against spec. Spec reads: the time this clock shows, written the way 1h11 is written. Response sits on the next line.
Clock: 3h52
